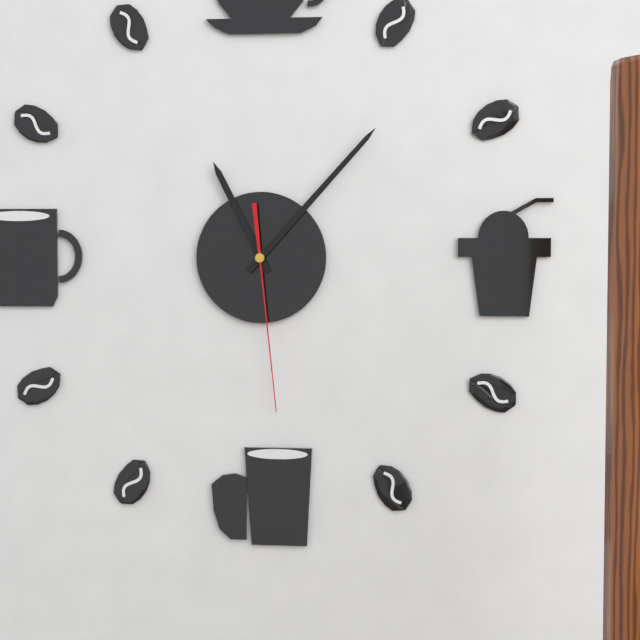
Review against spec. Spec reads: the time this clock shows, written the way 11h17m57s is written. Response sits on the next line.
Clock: 11h07m29s
